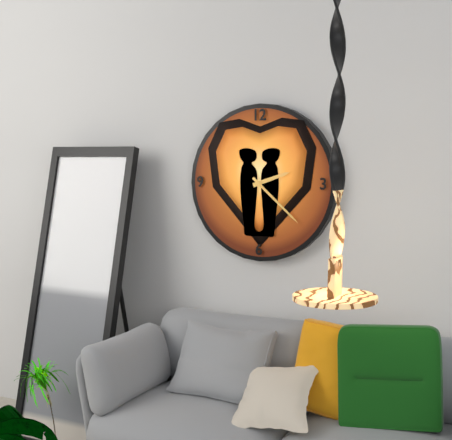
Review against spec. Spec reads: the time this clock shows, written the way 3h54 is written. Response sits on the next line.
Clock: 2h22
